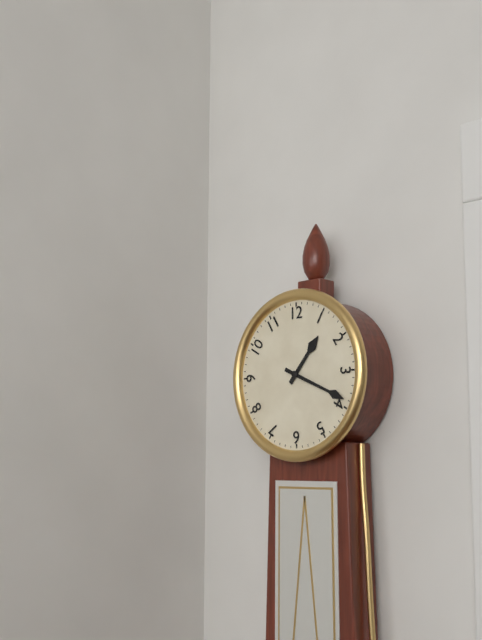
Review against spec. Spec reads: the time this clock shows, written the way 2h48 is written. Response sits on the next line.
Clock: 1h19
